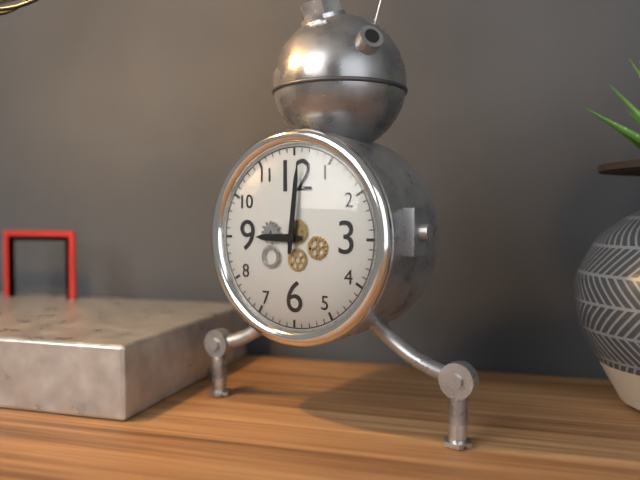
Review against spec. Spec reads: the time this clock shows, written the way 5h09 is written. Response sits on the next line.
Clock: 9h01
